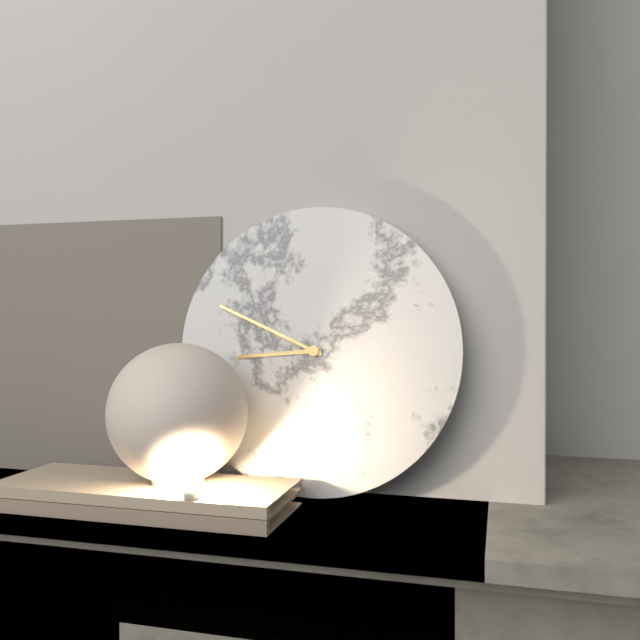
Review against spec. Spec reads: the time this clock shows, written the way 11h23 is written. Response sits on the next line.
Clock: 8h49
